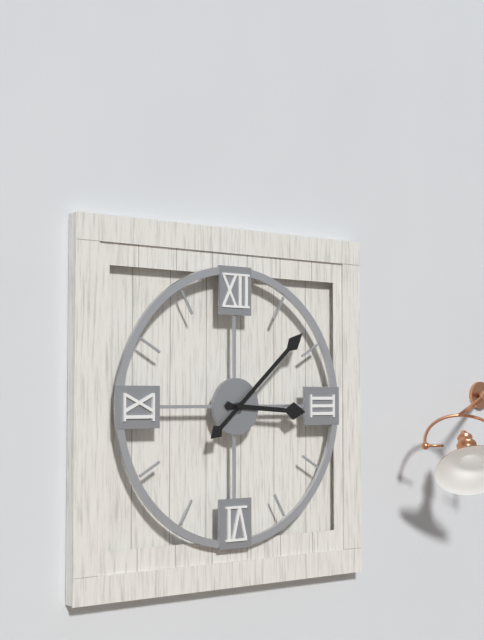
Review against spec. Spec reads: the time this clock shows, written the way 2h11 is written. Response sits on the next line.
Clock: 3h08
